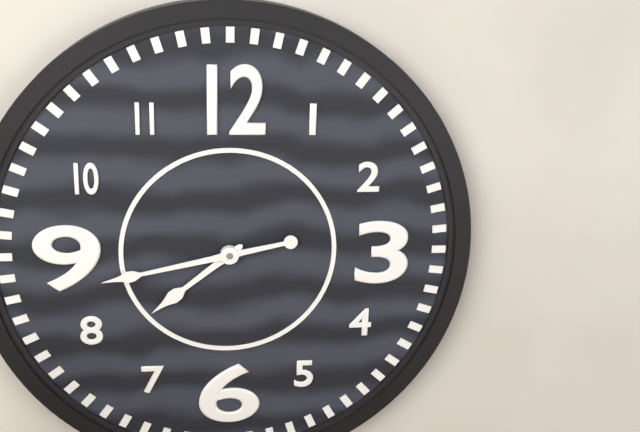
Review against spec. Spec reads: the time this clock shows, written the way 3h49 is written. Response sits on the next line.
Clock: 7h43
